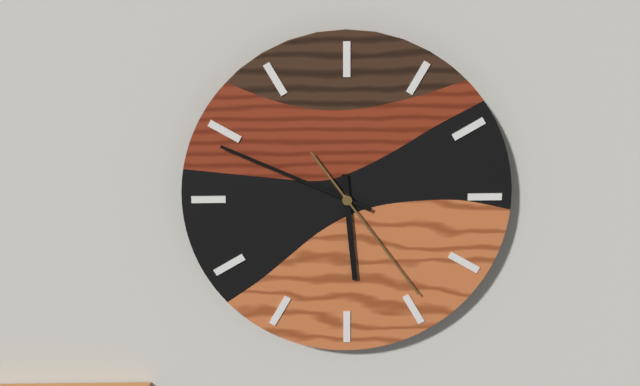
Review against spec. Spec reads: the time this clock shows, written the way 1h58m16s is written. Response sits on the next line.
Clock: 5h49m24s
